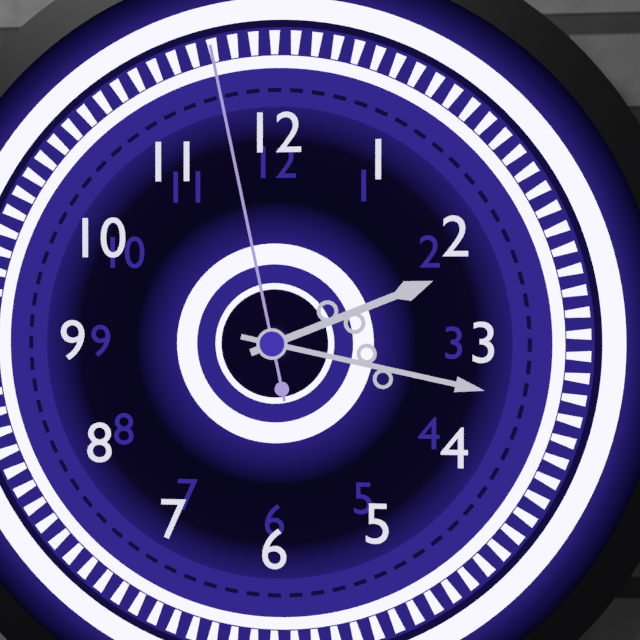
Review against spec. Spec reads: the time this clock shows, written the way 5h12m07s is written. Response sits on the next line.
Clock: 2h17m58s
